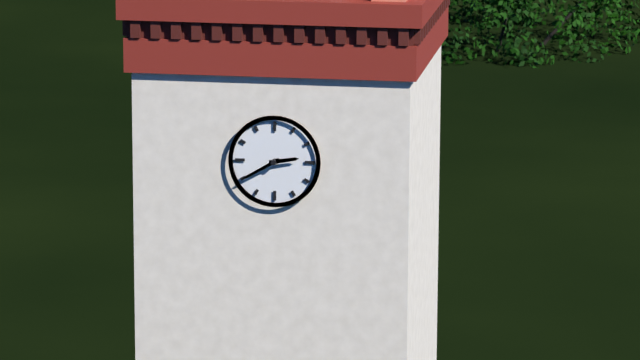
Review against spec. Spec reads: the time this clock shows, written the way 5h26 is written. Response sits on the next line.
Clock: 2h40
